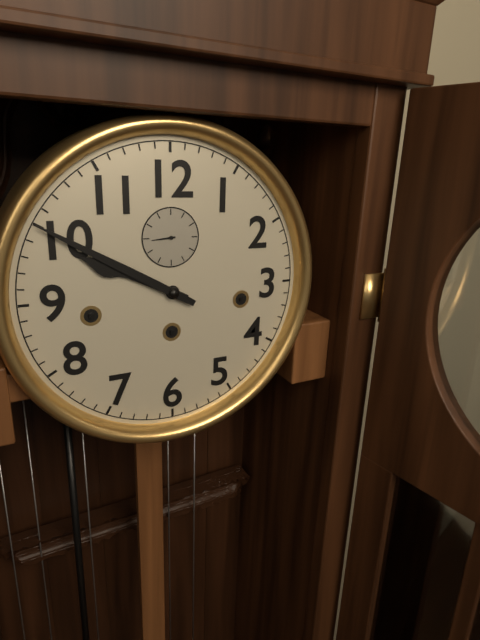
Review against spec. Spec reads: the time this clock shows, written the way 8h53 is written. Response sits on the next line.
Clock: 9h50
